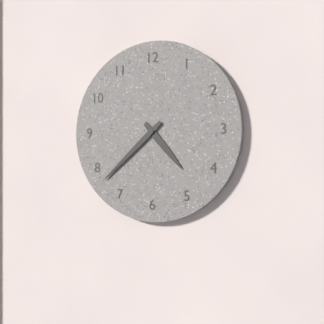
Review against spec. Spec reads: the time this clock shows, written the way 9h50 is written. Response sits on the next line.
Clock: 4h38
